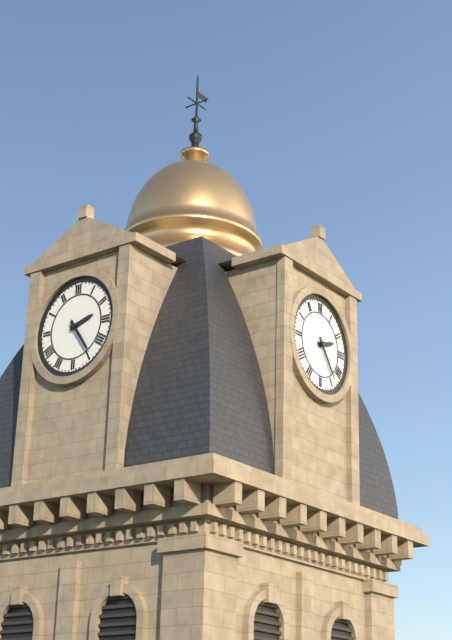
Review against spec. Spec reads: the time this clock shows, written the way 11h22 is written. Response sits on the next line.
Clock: 2h24
